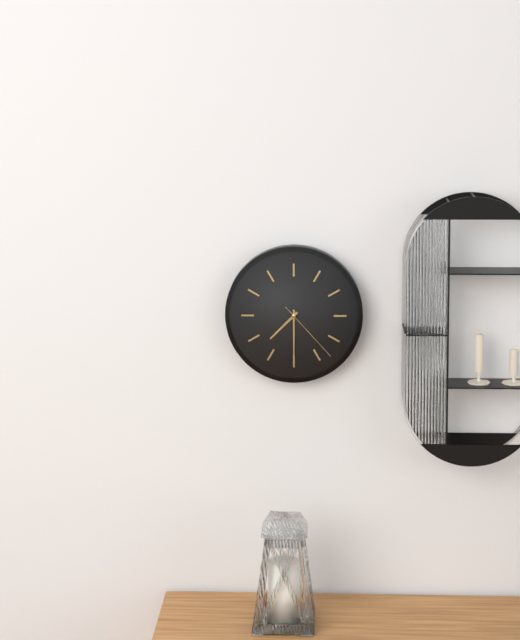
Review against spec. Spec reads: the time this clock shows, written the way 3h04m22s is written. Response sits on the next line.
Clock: 7h30m23s
